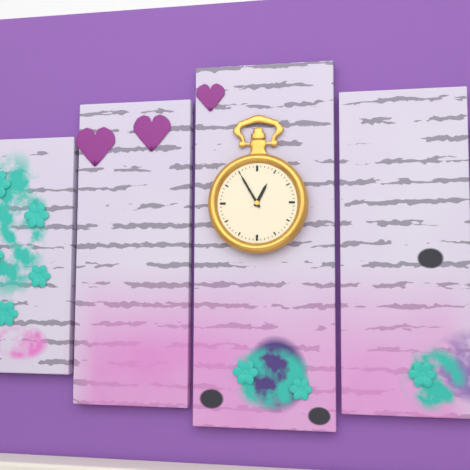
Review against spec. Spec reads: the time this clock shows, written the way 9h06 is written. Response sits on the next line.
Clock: 12h55
